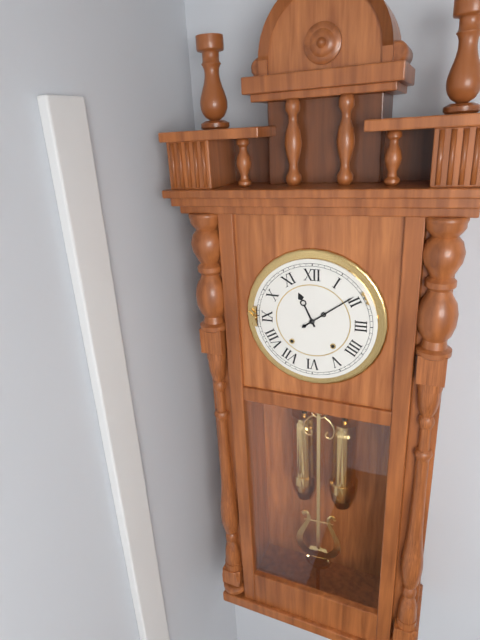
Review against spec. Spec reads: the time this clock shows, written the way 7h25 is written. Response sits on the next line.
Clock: 11h09
